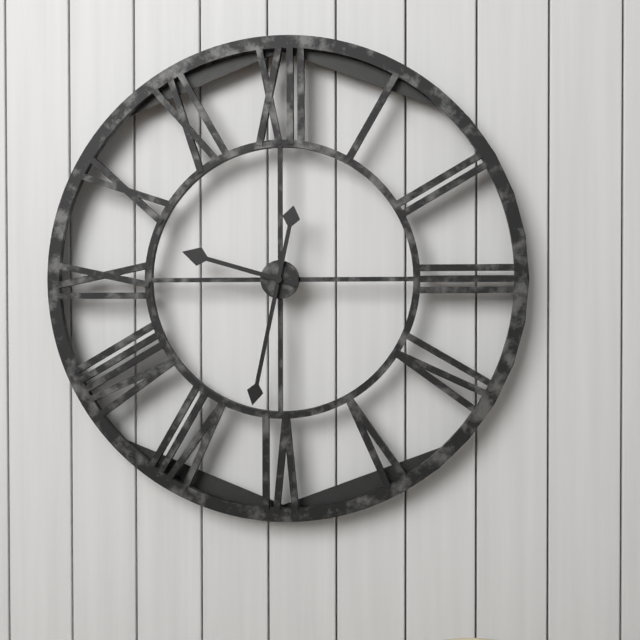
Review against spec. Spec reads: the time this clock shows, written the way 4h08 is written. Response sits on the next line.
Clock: 9h32
